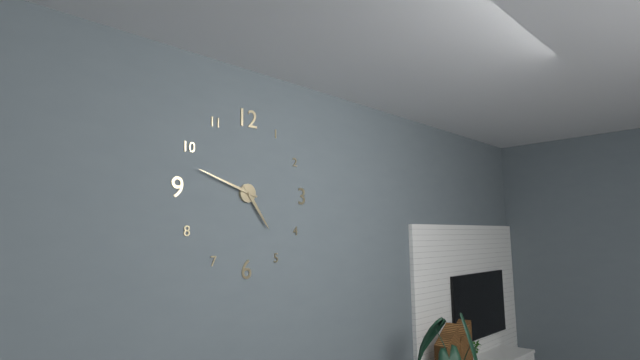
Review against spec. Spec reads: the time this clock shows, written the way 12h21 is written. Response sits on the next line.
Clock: 4h48
